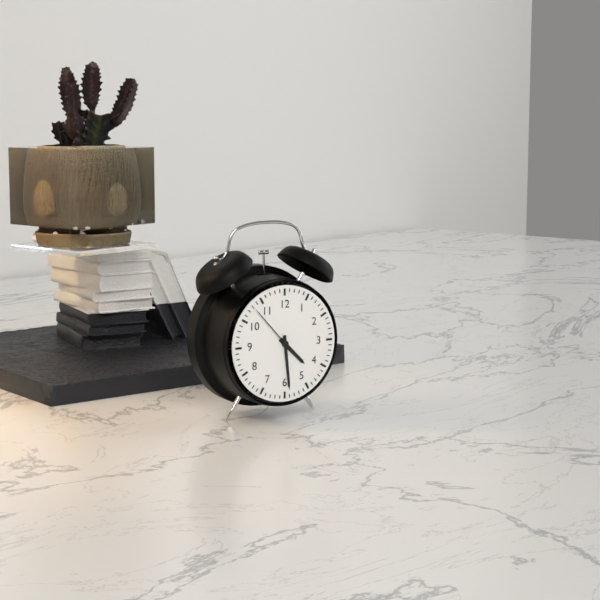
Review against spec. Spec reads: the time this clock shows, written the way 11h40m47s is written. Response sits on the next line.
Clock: 4h29m53s
